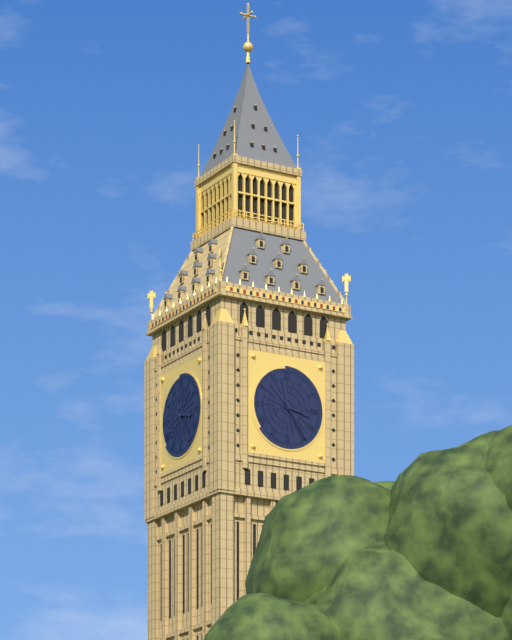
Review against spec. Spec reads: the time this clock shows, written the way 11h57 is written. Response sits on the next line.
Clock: 3h24
